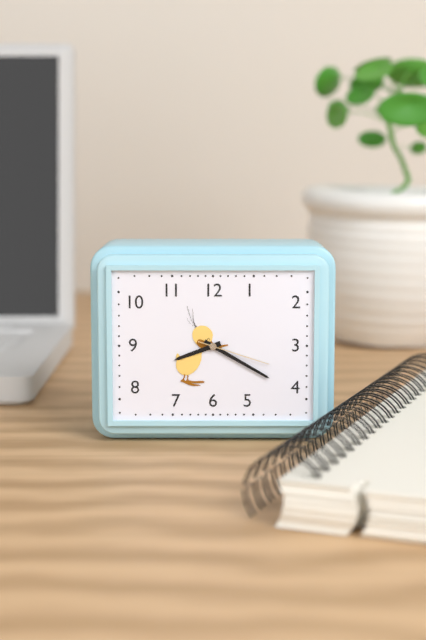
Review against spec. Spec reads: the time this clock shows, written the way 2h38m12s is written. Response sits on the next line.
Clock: 8h20m18s
